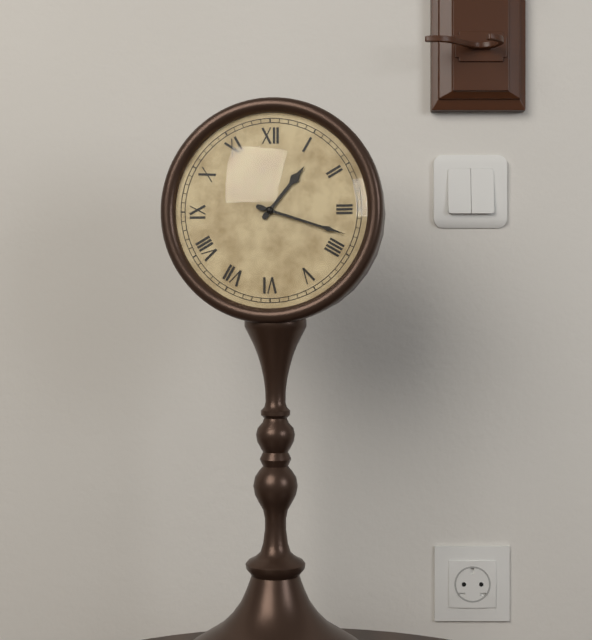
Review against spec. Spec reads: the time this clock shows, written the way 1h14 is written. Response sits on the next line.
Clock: 1h18
